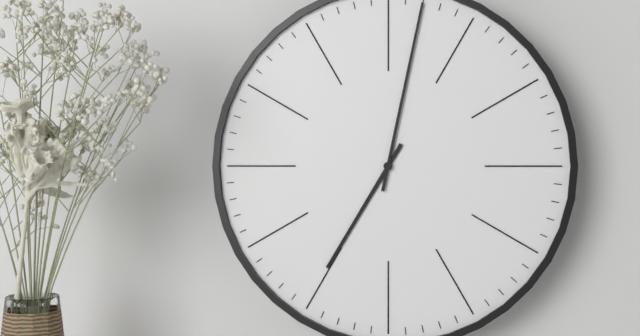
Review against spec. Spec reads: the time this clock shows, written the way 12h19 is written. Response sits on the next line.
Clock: 7h02
